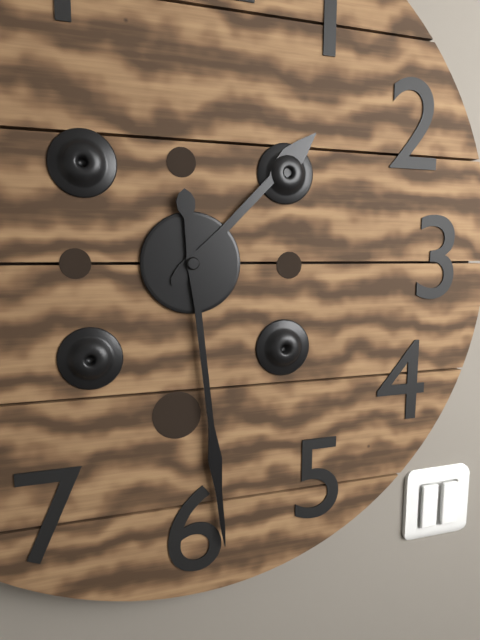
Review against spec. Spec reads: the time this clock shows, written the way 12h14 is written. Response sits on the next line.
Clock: 1h29
